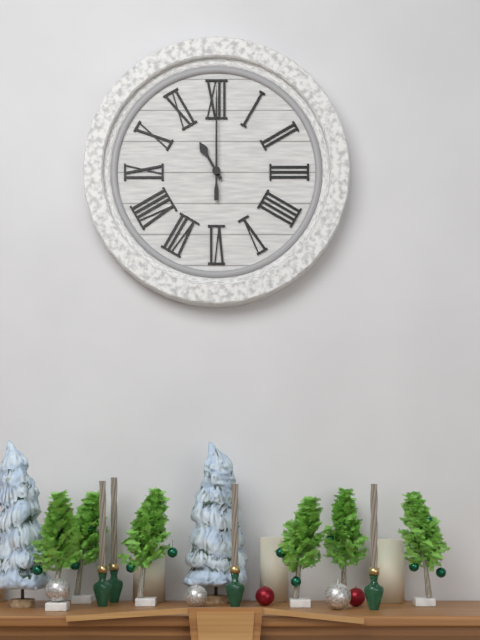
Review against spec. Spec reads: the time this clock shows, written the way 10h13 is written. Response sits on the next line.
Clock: 11h00
